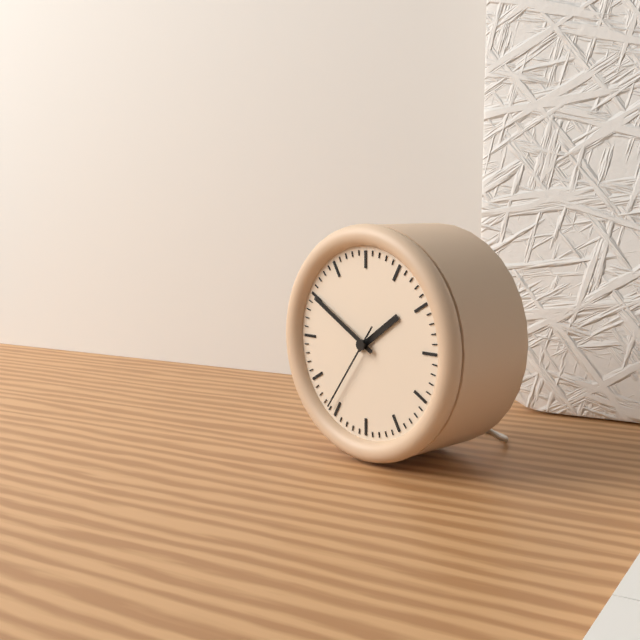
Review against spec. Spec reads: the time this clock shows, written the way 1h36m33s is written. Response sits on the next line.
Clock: 1h50m36s
